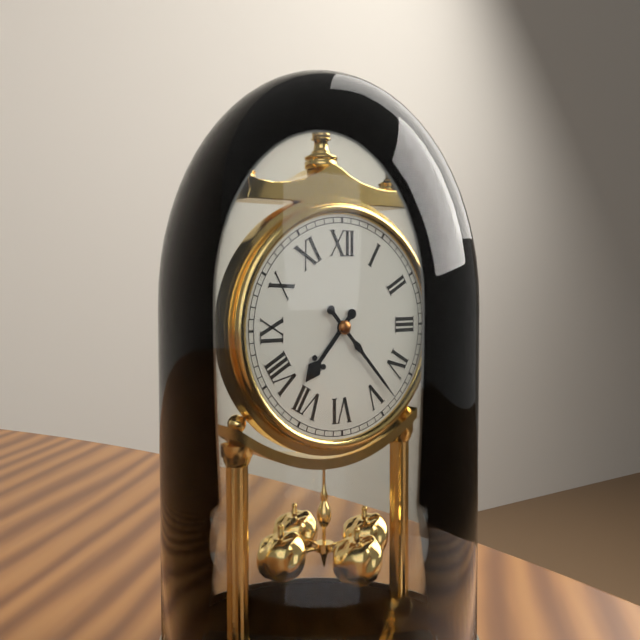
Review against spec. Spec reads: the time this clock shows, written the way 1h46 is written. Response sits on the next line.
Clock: 7h23
